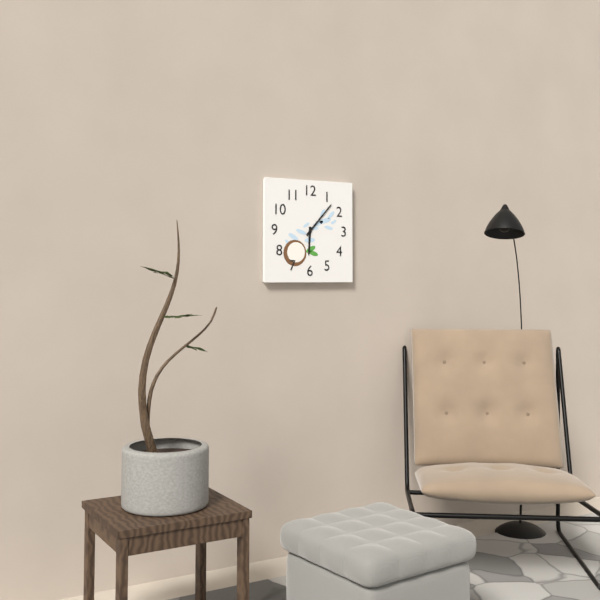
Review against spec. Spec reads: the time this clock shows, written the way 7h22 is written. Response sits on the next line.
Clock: 6h07
